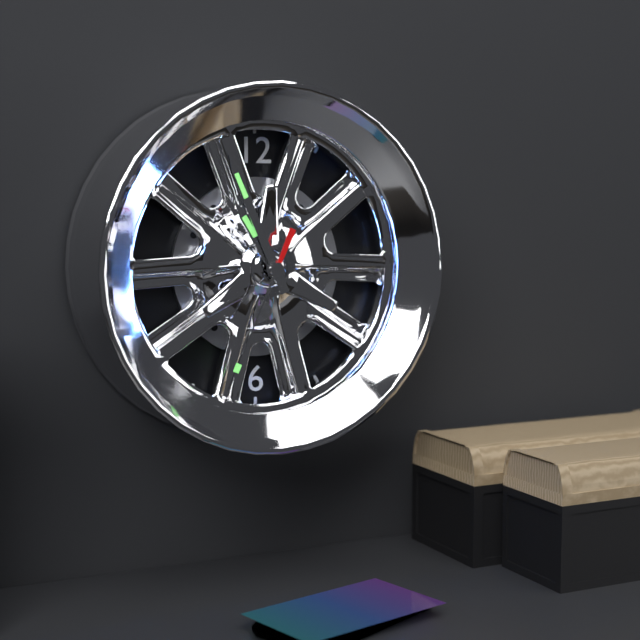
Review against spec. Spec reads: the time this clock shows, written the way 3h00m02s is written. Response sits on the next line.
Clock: 10h56m34s
